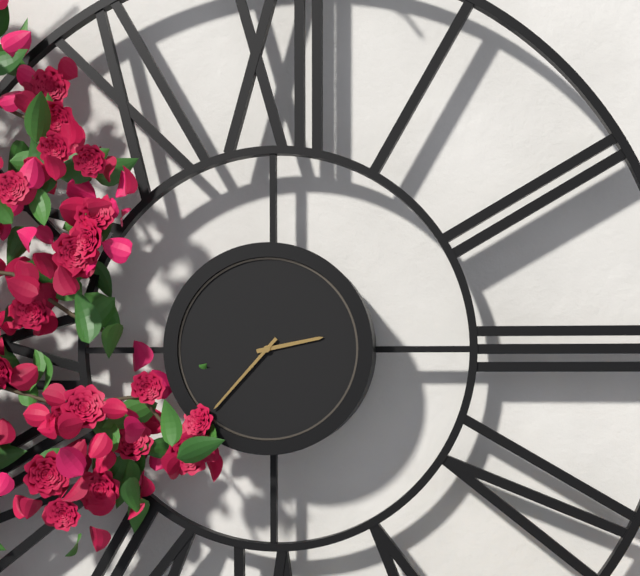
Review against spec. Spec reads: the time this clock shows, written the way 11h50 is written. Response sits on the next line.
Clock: 2h37
